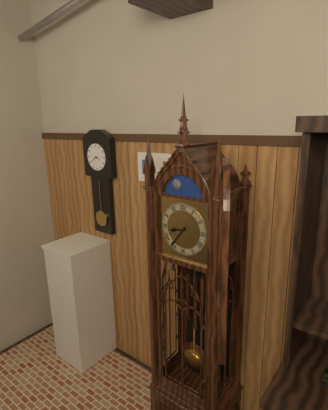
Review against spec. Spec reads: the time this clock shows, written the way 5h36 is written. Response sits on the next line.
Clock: 8h36
